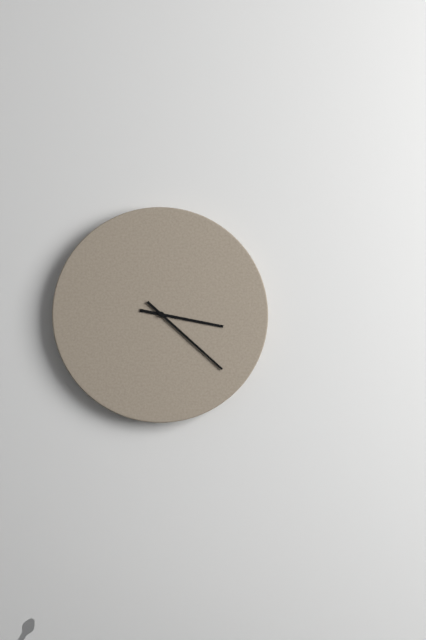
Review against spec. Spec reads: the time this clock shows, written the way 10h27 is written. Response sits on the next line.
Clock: 3h22
